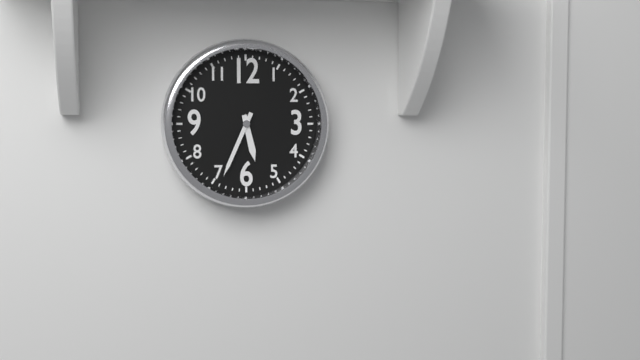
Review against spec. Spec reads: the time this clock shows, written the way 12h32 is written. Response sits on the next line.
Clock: 5h34
